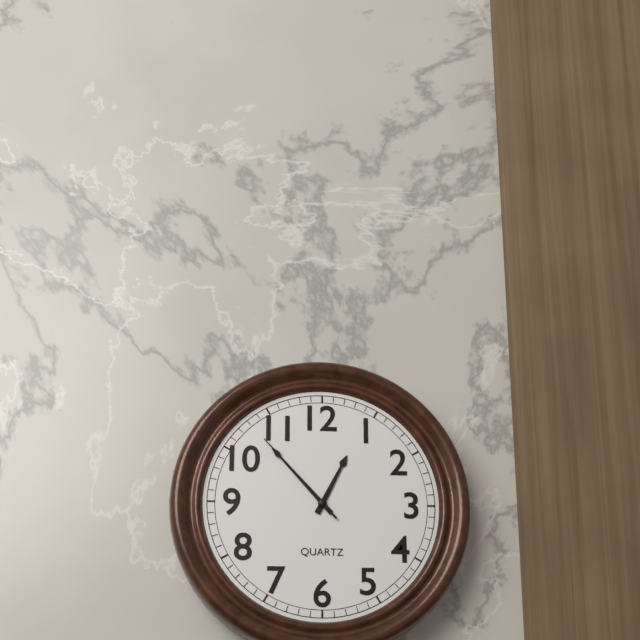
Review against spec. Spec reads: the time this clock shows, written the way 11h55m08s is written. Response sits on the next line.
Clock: 12h53m53s
